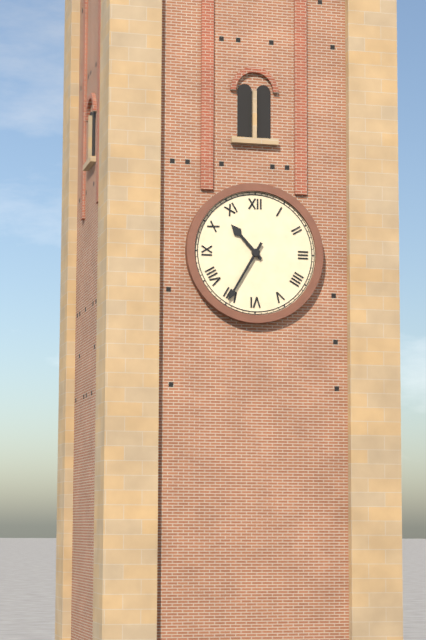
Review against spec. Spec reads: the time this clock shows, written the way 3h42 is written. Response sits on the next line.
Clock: 10h35
